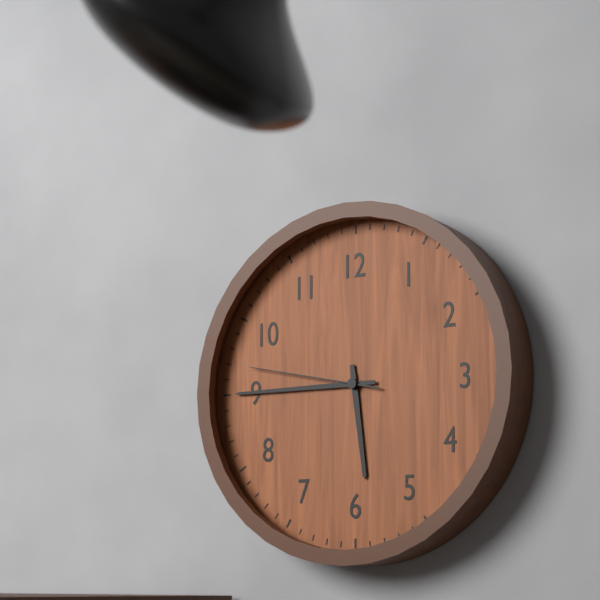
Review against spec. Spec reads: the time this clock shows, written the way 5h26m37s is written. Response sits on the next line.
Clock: 5h45m47s
